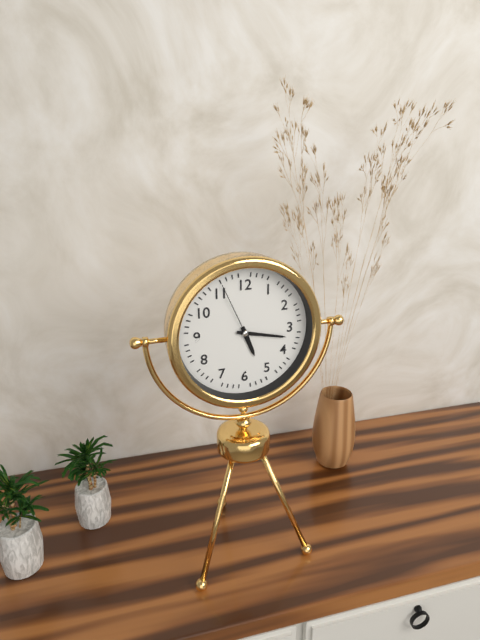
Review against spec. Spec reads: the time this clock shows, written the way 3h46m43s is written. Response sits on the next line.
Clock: 5h17m56s
